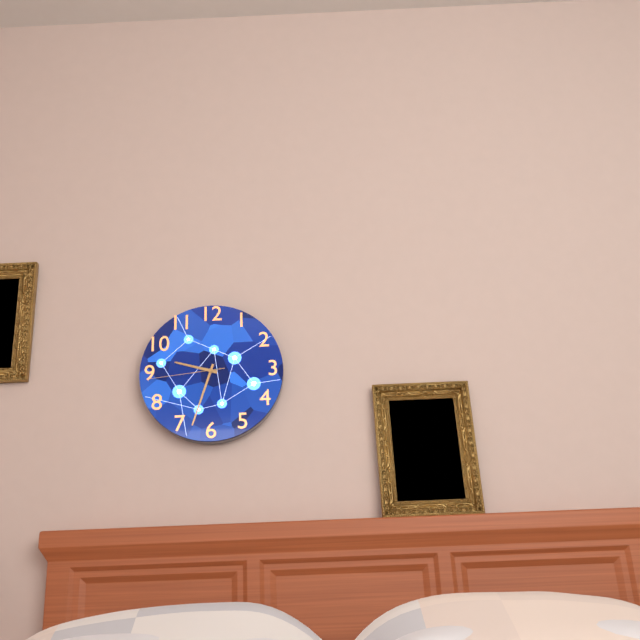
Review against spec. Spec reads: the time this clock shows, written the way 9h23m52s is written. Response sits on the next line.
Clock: 9h33m44s
